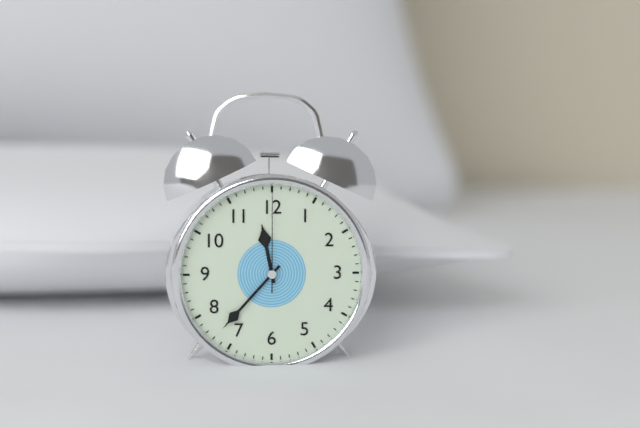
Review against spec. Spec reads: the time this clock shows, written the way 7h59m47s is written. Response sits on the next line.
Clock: 11h37m00s
